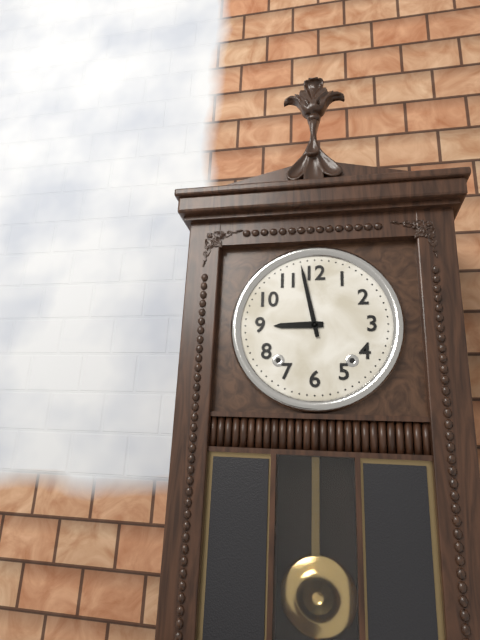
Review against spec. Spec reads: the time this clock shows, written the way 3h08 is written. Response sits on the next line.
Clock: 8h58
